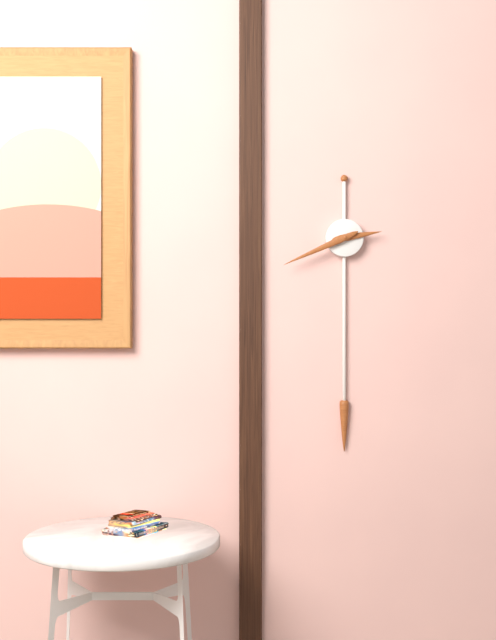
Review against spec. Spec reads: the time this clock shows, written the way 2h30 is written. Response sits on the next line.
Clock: 2h41
